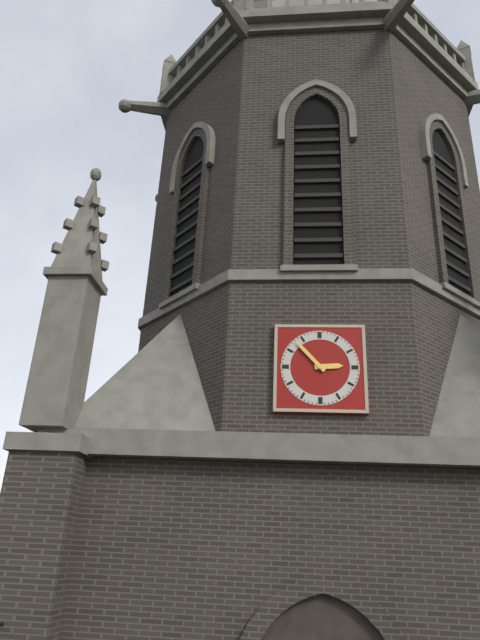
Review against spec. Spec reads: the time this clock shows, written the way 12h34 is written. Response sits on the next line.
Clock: 2h53
